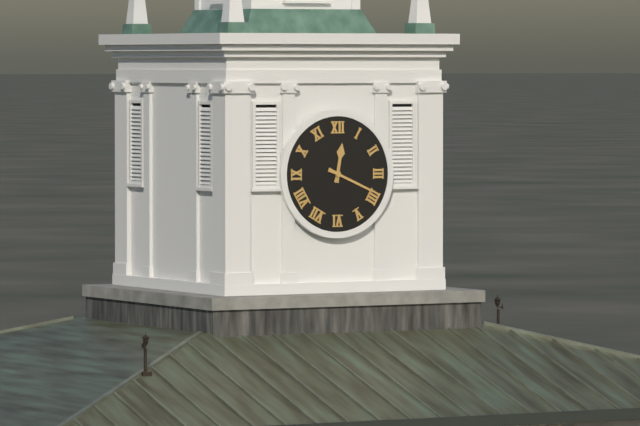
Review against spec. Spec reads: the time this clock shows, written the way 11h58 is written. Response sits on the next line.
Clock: 12h19
